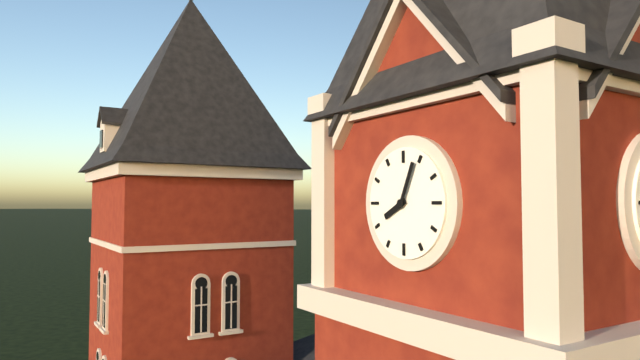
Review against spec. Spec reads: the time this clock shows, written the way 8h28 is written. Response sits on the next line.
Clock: 8h04
